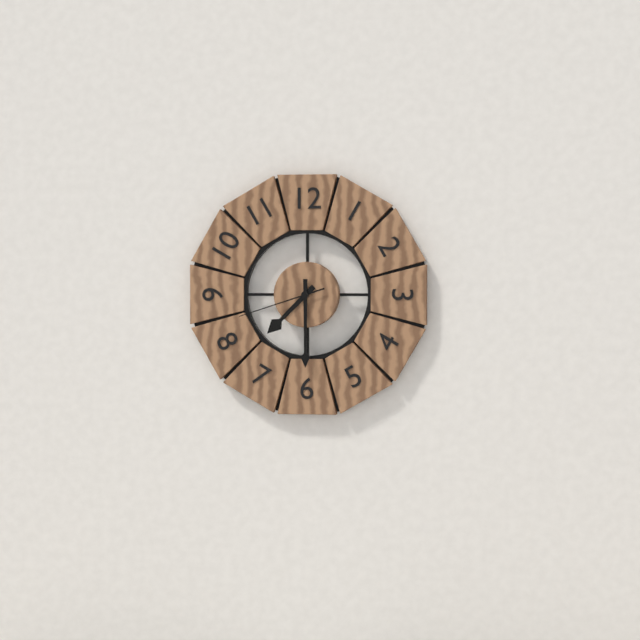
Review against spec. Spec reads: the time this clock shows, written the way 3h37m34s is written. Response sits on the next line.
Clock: 7h30m42s
